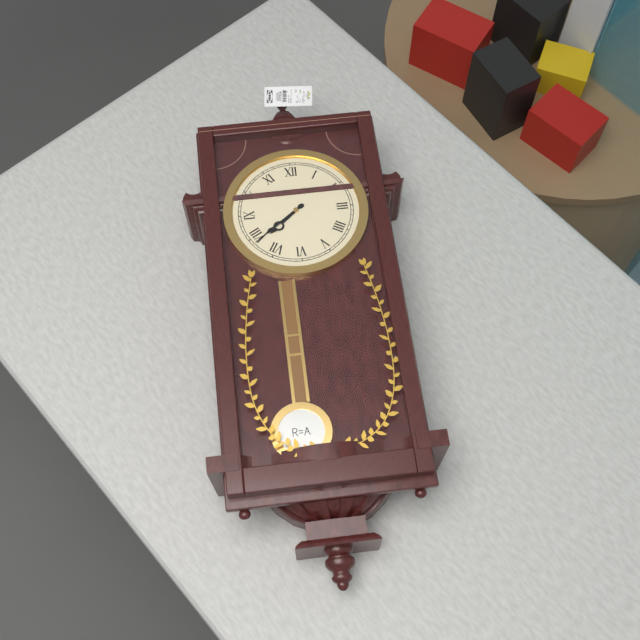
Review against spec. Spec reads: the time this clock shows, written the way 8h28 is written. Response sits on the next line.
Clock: 7h39
